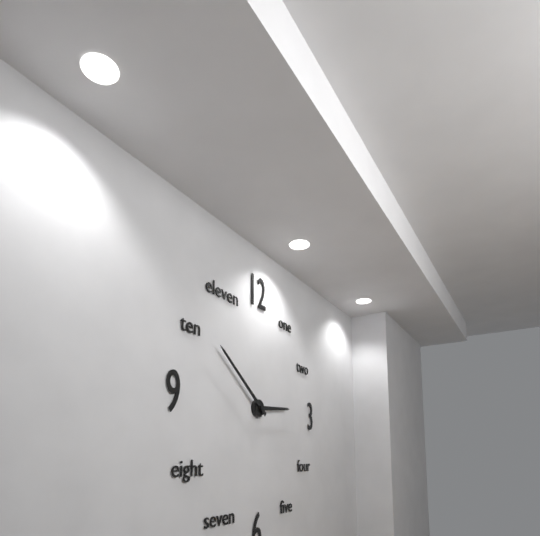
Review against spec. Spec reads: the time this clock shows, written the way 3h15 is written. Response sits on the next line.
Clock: 2h51
